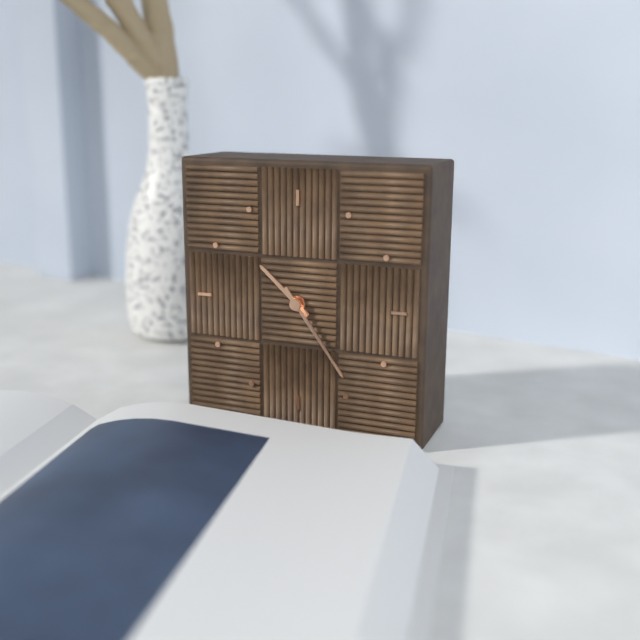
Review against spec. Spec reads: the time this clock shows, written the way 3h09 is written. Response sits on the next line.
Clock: 10h24
